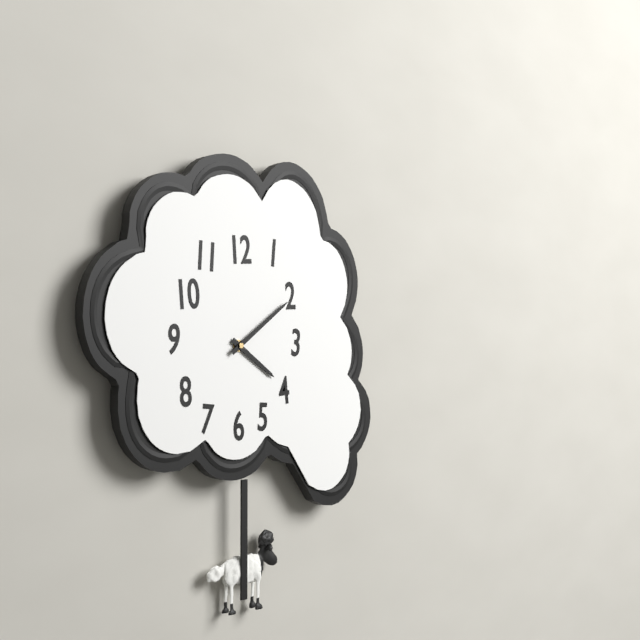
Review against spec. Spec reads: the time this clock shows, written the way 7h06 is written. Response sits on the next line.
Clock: 4h09
